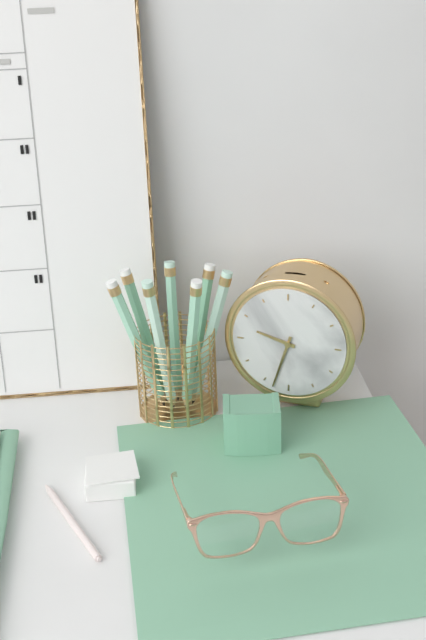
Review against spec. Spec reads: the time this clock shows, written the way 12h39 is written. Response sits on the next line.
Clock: 9h33
